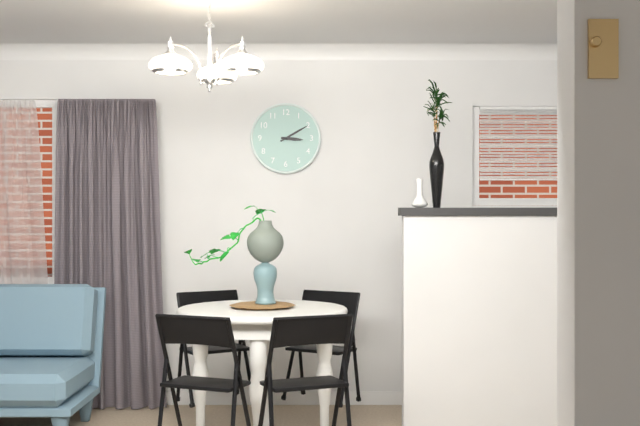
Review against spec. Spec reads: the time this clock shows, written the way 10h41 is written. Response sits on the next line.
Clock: 3h10
